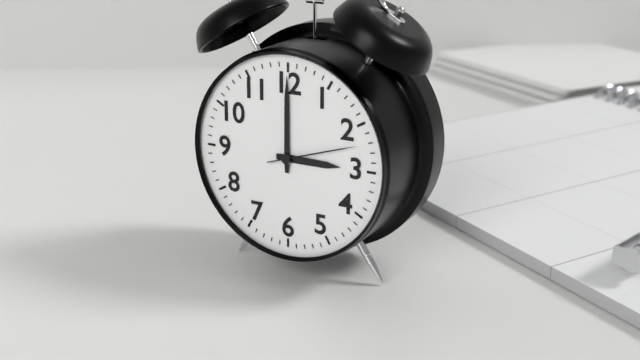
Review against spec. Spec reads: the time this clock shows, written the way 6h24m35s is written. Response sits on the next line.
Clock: 3h00m12s
